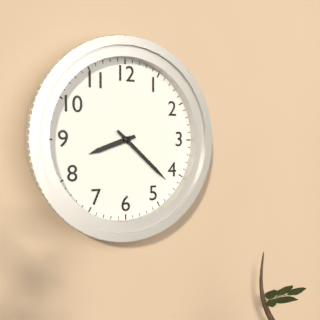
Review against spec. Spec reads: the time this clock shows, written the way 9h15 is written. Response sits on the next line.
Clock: 8h22
